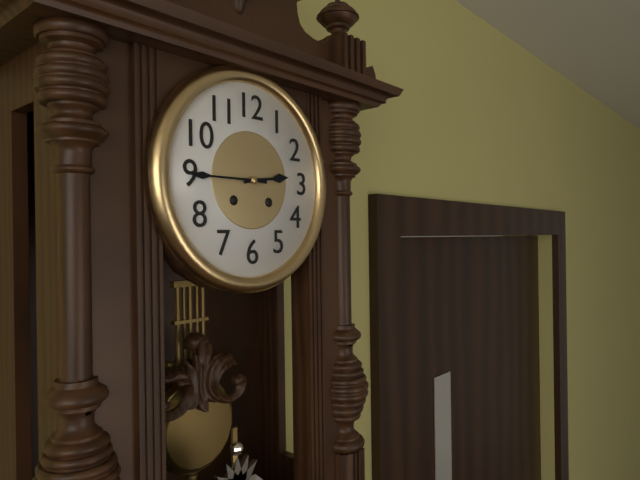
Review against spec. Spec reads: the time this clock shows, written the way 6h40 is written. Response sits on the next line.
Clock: 2h45
